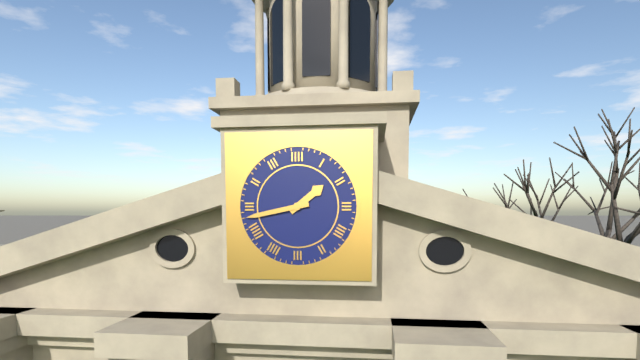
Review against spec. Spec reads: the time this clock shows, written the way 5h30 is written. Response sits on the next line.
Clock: 1h43
